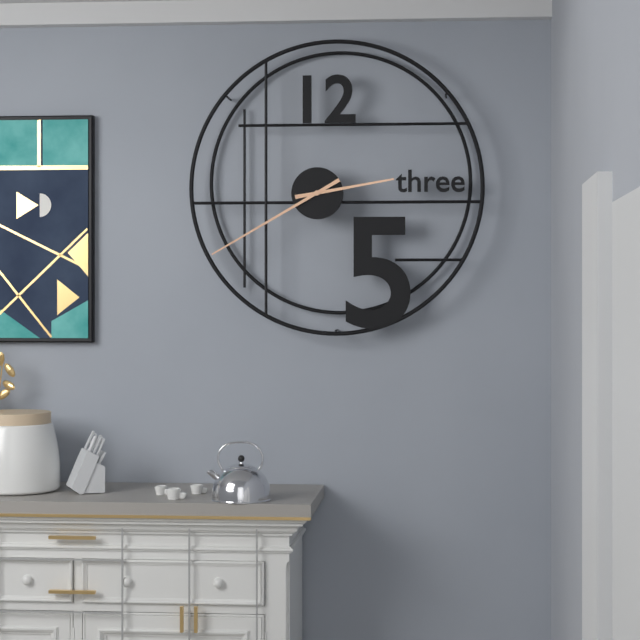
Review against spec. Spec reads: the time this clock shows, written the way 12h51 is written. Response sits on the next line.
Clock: 2h40
